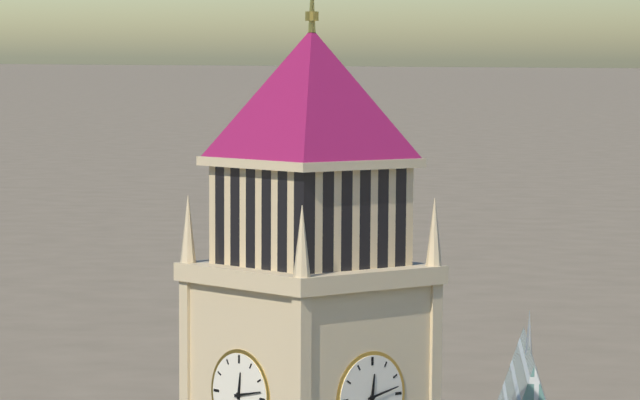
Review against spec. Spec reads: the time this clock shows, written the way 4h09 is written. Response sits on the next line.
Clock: 12h13
